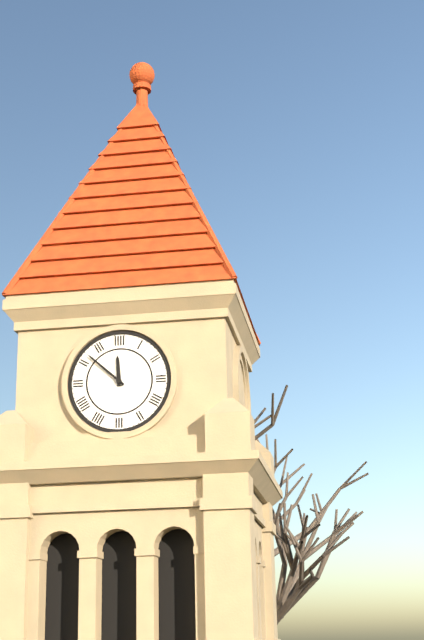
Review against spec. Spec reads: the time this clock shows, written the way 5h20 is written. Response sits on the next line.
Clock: 11h52
